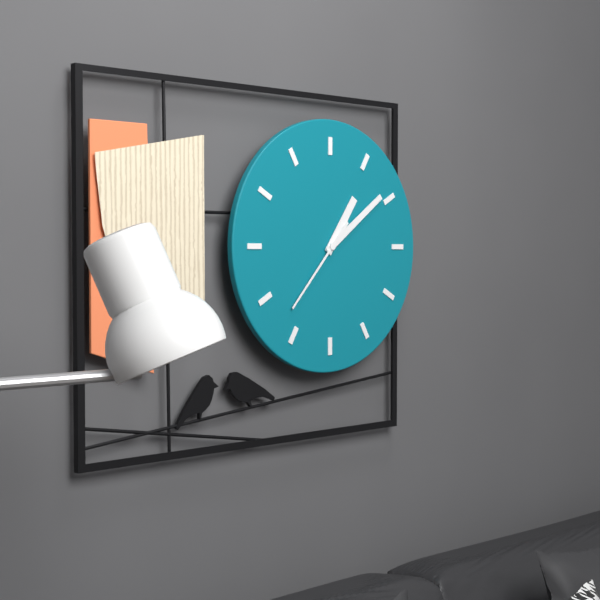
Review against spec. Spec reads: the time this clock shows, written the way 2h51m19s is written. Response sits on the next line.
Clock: 1h09m37s
